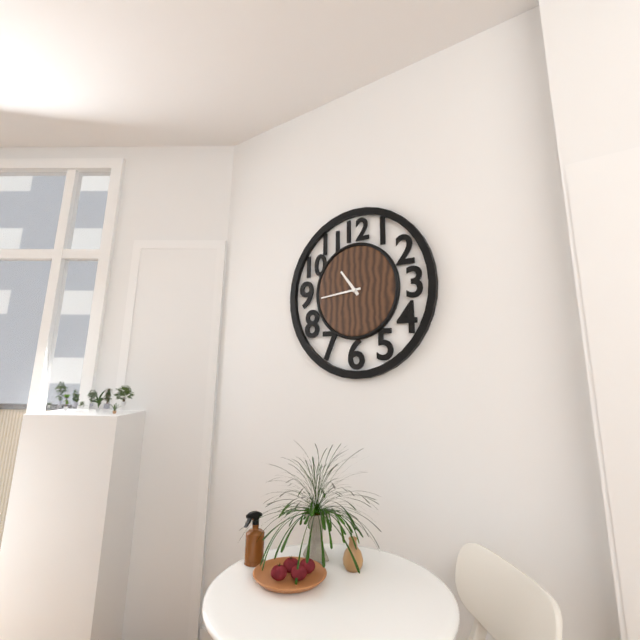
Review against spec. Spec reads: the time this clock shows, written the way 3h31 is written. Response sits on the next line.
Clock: 10h44
